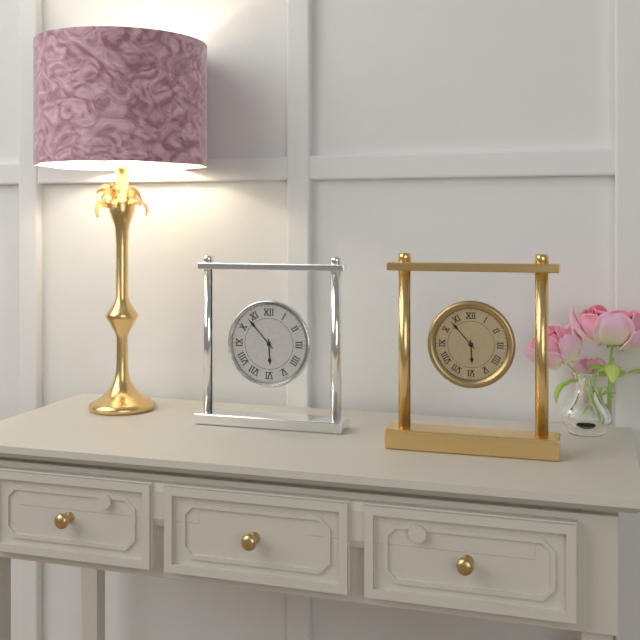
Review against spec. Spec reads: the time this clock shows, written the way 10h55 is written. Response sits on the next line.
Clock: 5h53
